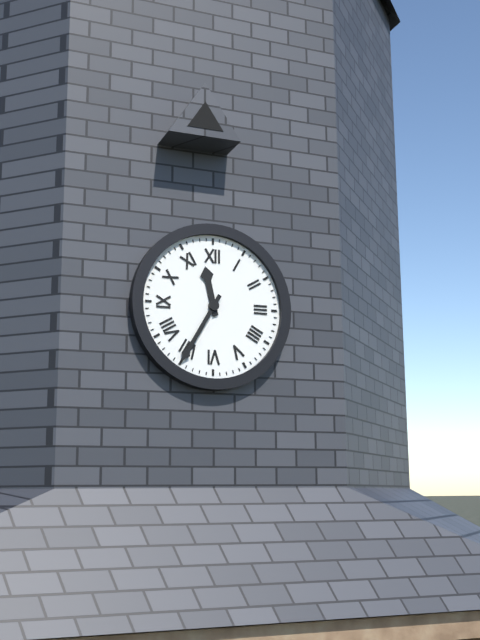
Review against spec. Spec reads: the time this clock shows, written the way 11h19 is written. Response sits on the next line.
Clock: 11h35
